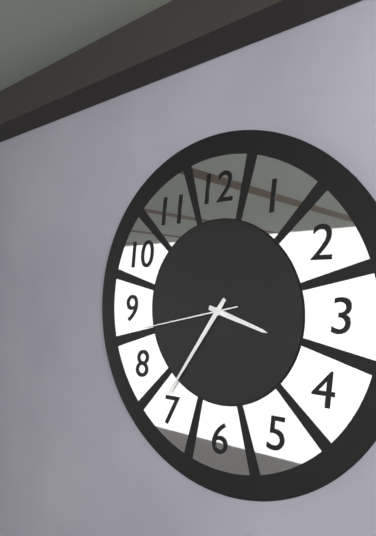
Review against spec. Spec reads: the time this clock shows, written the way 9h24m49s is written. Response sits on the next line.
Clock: 3h36m43s
